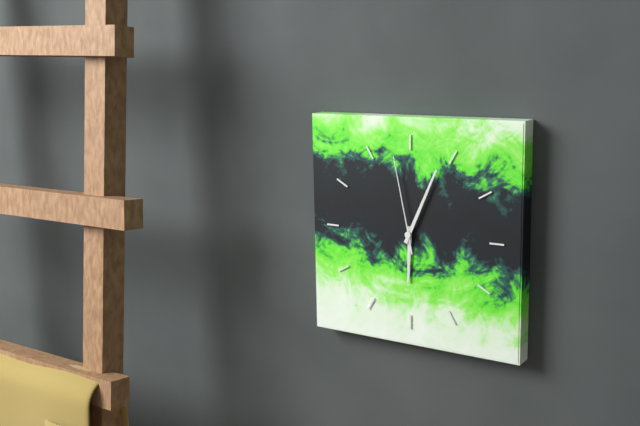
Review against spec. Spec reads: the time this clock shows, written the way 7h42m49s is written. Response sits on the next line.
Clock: 6h04m58s
